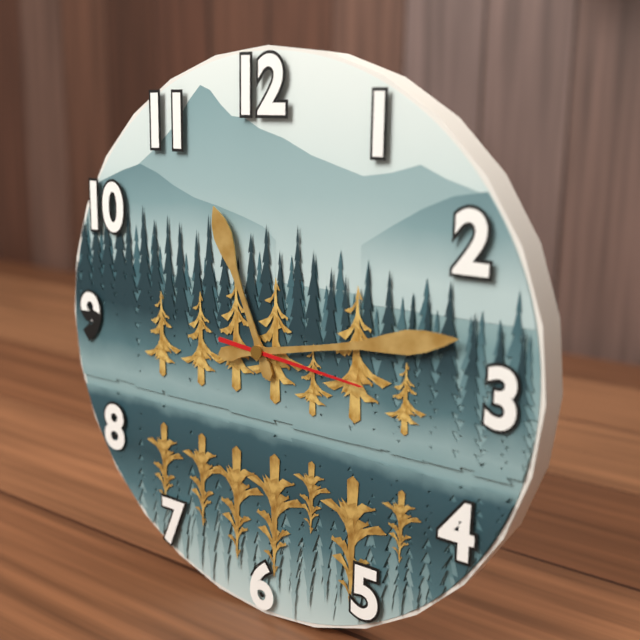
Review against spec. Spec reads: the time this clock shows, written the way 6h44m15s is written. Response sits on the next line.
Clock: 11h13m16s
